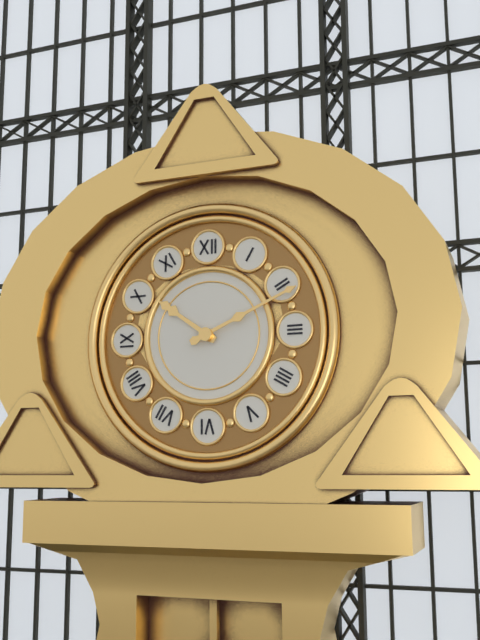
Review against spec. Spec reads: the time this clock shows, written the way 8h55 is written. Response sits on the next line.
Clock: 10h11
